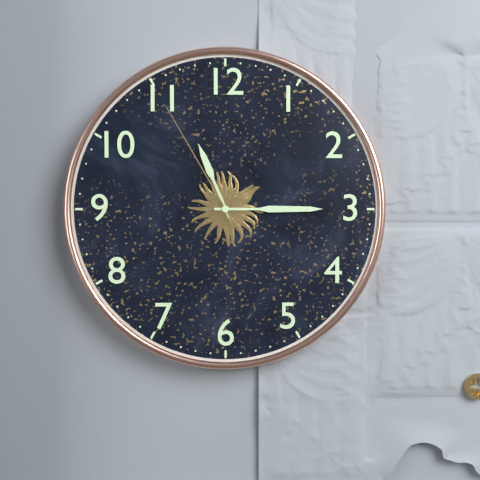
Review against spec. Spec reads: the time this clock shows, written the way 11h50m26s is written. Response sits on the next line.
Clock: 11h15m55s
